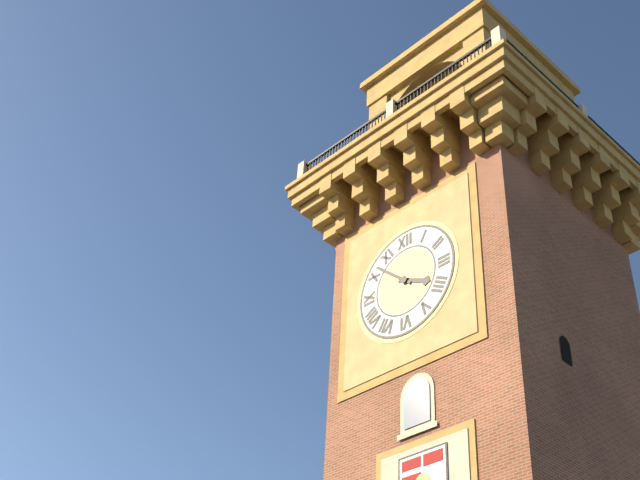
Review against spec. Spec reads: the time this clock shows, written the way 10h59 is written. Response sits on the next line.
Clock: 3h52
